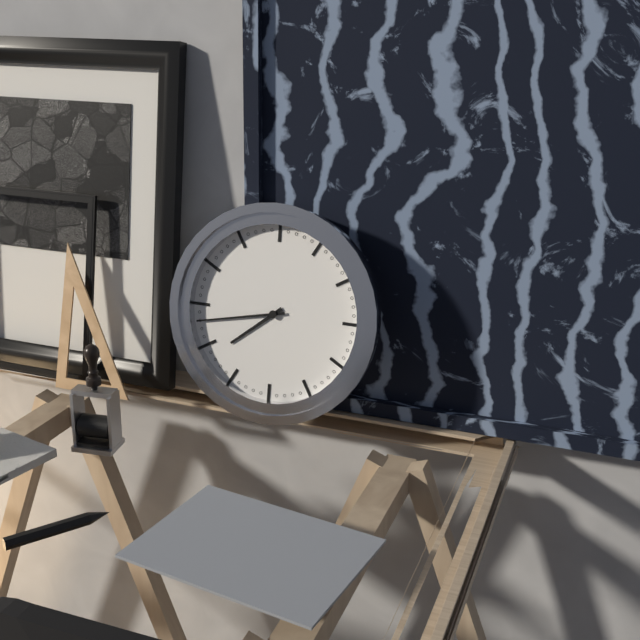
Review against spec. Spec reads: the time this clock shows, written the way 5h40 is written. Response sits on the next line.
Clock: 7h43
